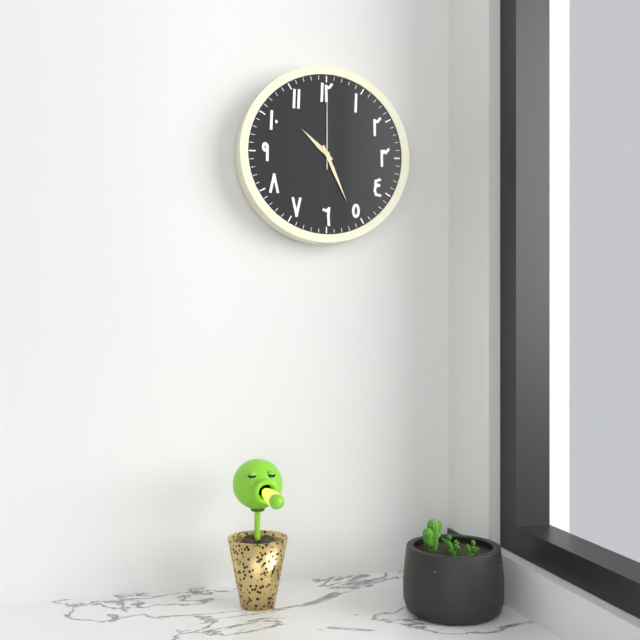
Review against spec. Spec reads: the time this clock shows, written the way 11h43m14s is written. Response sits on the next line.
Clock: 10h26m00s
